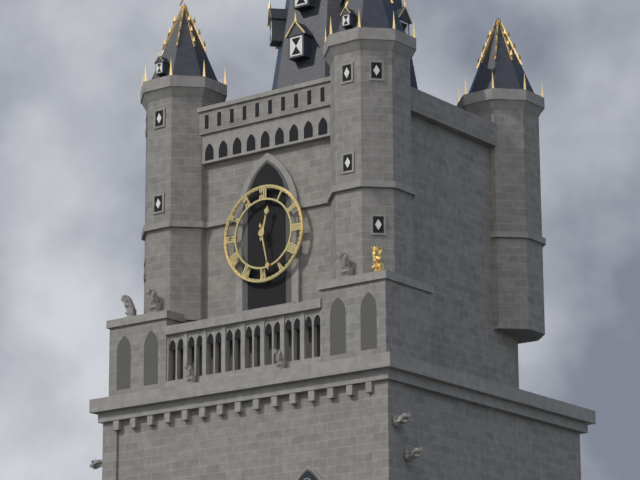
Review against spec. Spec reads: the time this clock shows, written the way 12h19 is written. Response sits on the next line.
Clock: 12h28
